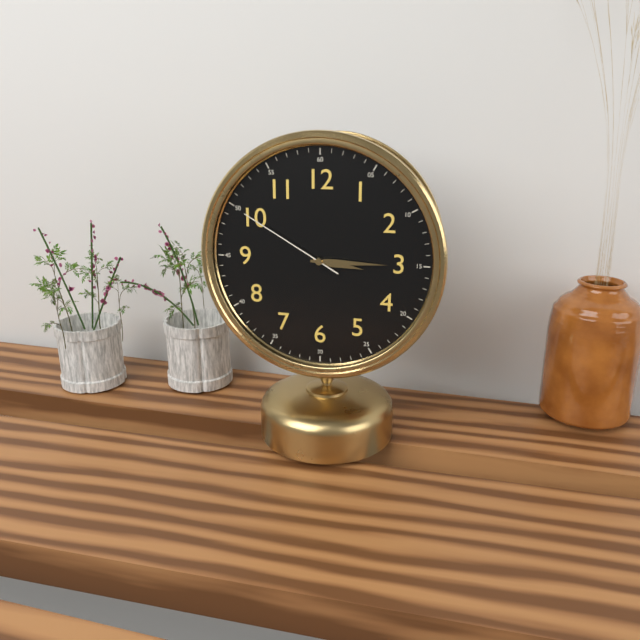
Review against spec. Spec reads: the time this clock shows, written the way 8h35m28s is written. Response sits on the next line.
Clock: 3h15m50s
